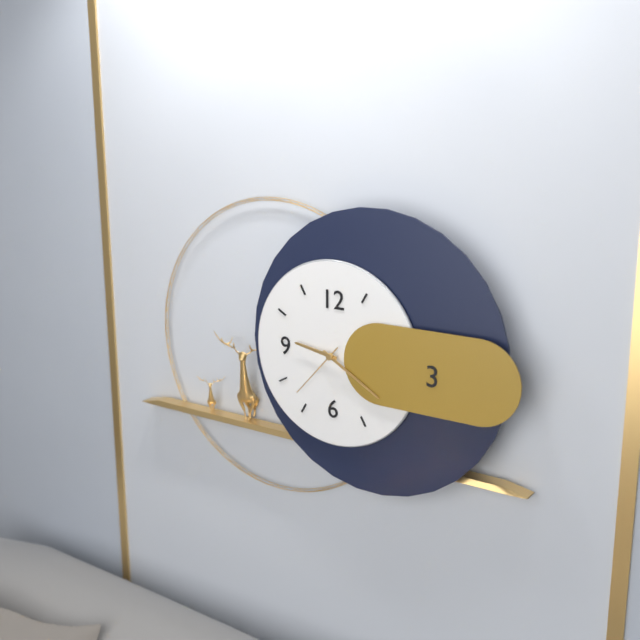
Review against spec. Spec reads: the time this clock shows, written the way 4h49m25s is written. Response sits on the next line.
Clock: 9h20m37s
